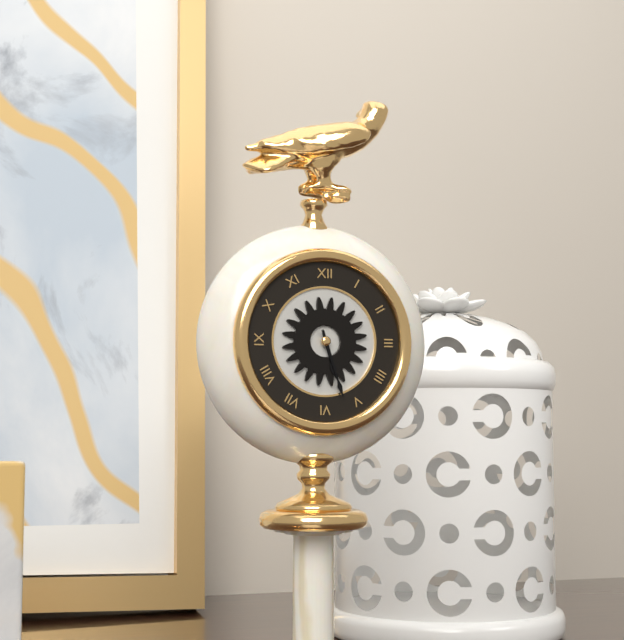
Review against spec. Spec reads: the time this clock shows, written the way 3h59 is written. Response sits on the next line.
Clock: 5h27
